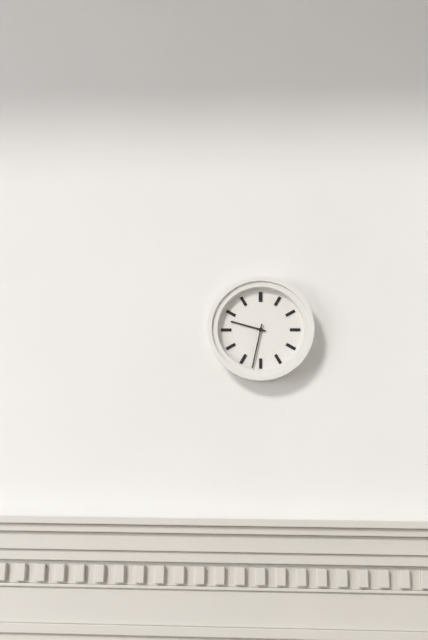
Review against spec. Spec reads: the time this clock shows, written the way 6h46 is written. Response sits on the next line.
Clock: 9h32
